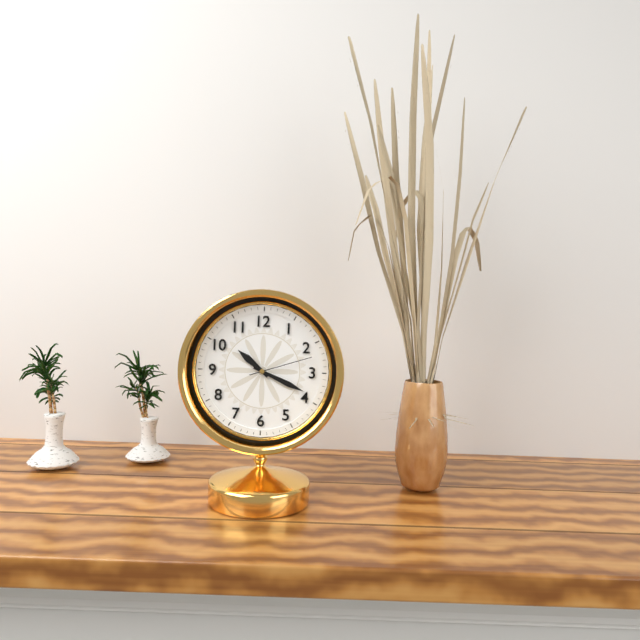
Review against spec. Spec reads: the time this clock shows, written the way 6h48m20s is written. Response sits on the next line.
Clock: 10h19m12s
